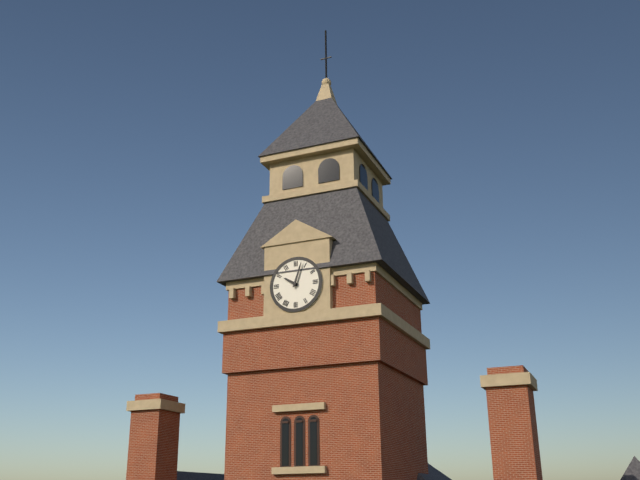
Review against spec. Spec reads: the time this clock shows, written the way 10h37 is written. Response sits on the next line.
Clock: 10h03
